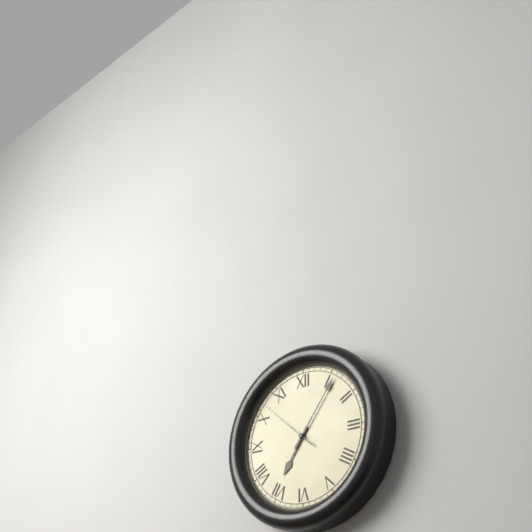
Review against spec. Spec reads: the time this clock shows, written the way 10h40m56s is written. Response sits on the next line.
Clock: 7h06m52s
